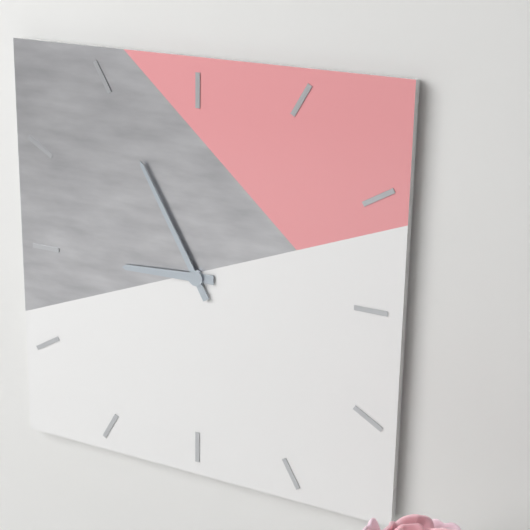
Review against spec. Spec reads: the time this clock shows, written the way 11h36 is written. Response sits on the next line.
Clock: 8h55
